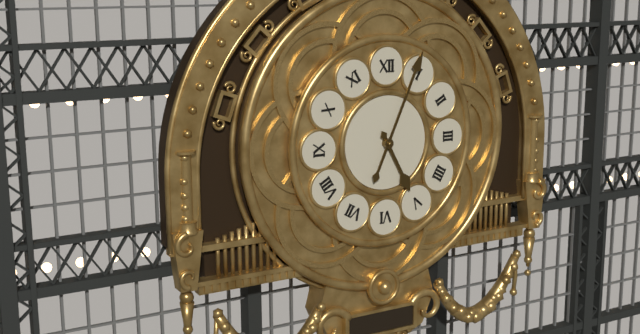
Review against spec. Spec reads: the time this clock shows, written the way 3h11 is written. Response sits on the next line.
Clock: 5h04
